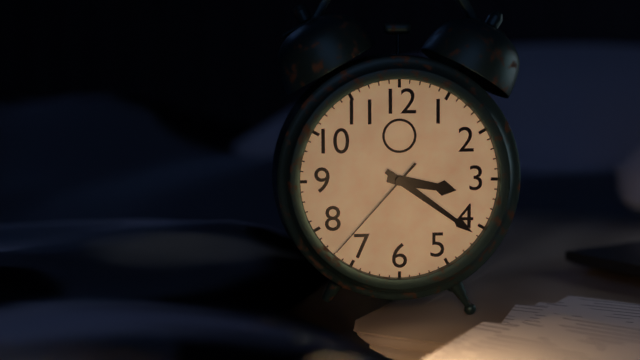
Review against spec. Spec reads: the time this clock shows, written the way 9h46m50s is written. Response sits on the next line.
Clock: 3h21m37s
